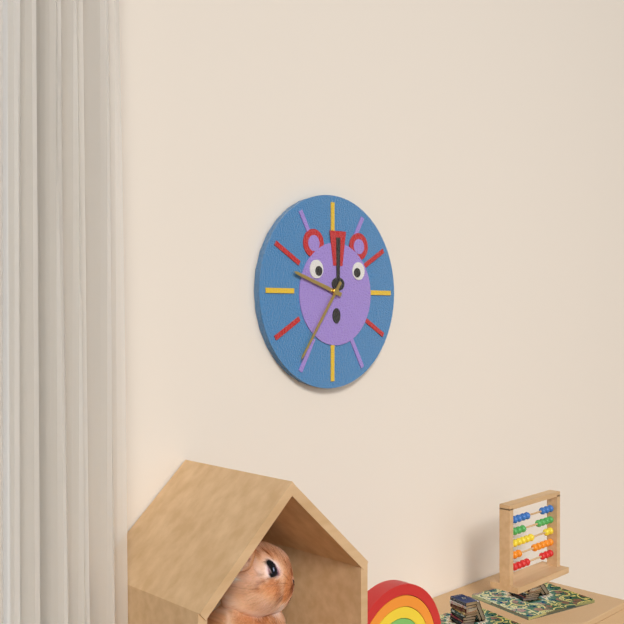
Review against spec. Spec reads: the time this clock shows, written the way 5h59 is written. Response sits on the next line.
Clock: 9h36
